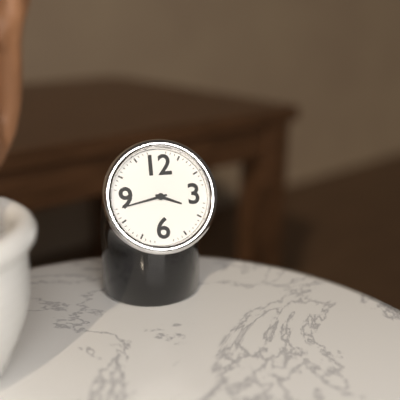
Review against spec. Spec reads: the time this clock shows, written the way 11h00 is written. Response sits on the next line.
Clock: 3h43
